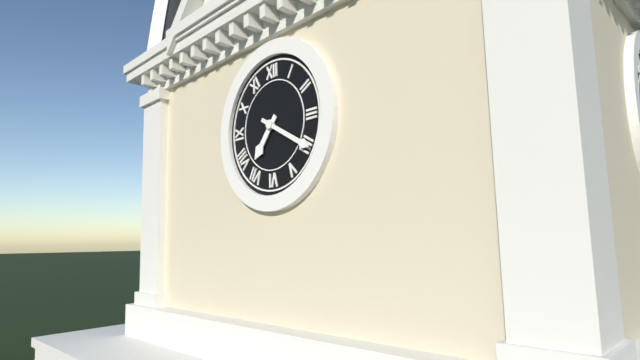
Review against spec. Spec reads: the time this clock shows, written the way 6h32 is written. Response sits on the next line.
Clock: 7h20
